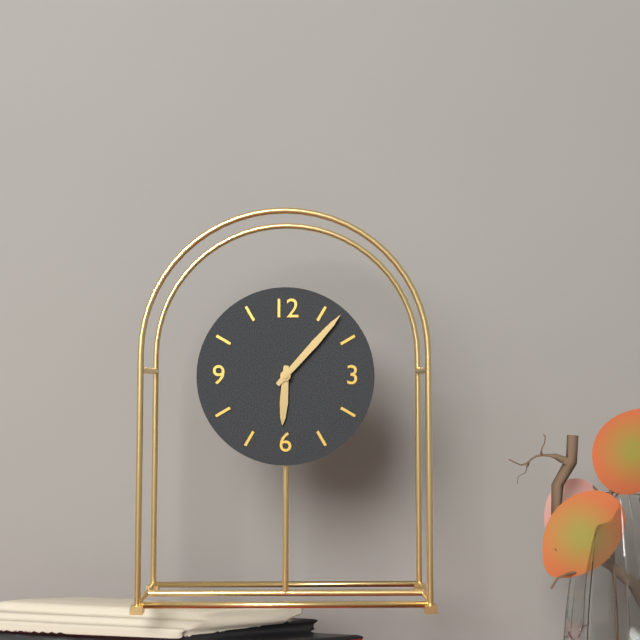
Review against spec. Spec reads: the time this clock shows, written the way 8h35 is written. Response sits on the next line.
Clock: 6h07
